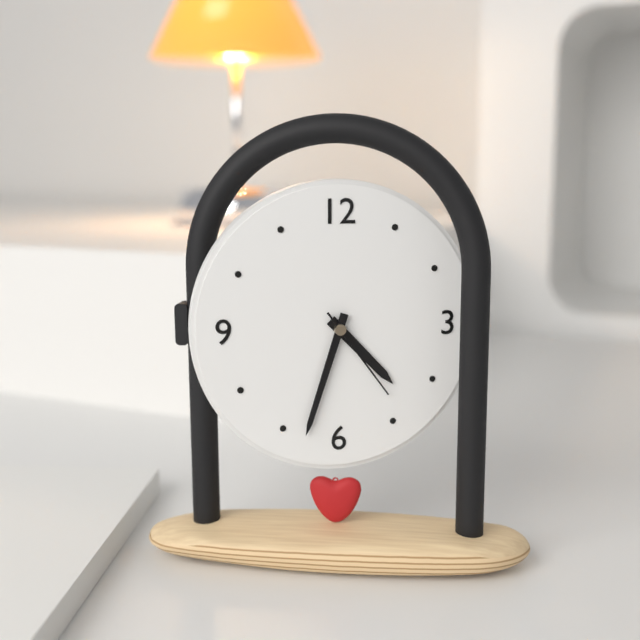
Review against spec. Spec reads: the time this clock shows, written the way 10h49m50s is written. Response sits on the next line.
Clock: 4h33m24s
